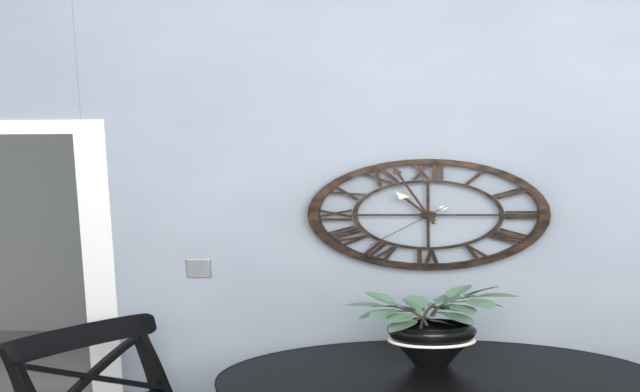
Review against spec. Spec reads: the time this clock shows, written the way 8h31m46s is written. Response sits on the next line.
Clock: 10h57m37s
